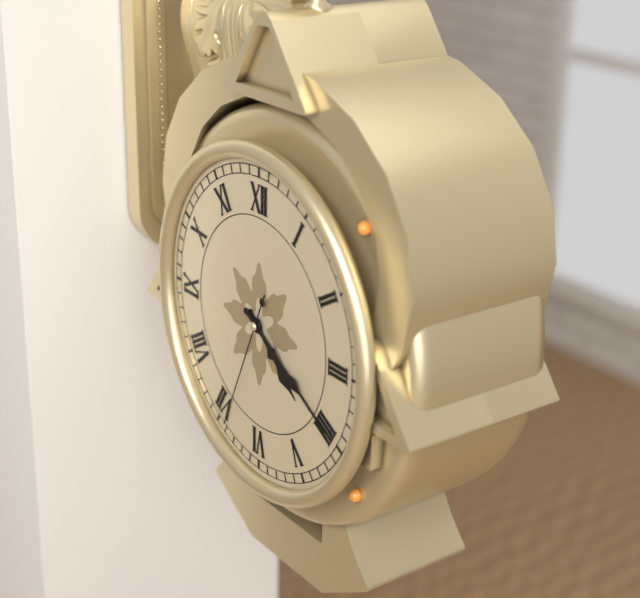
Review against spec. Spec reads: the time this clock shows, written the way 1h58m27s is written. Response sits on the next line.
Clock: 4h20m34s
